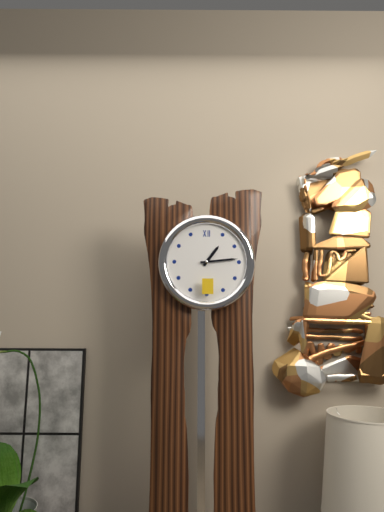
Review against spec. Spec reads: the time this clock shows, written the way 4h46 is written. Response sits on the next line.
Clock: 1h14
